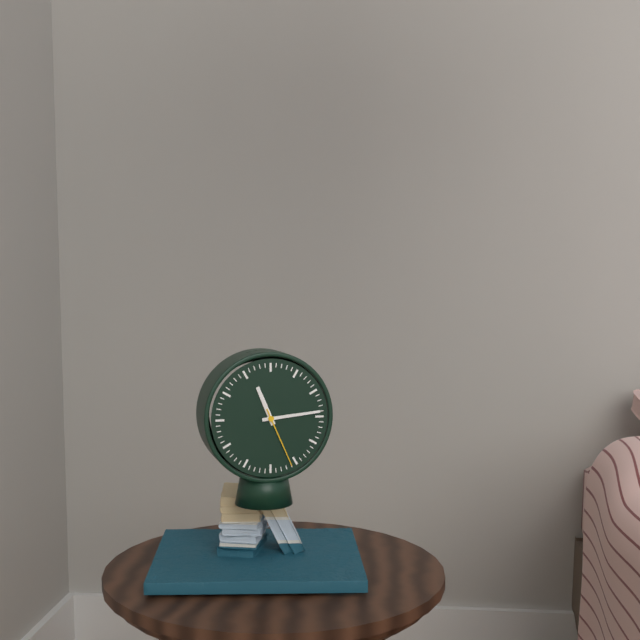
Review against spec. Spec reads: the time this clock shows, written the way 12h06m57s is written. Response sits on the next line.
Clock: 11h14m26s
